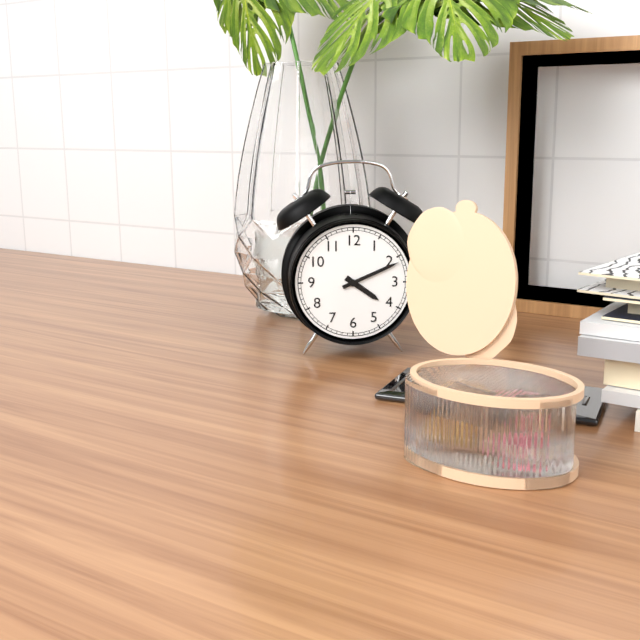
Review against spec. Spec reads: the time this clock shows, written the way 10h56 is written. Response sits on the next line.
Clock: 4h11
